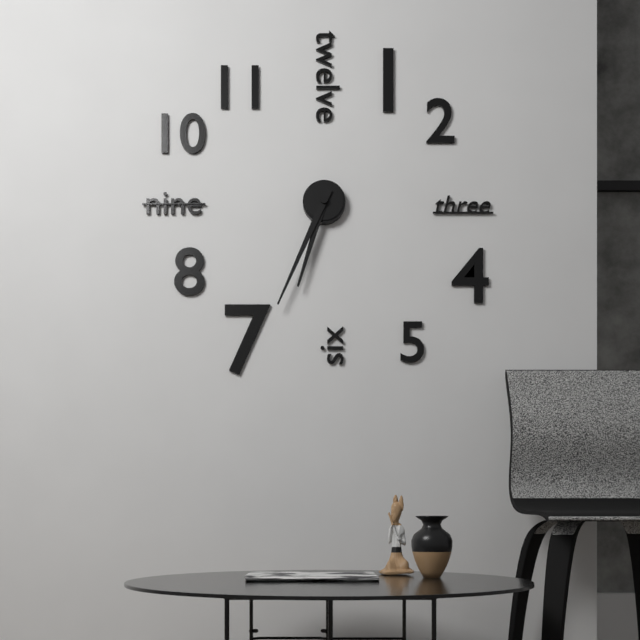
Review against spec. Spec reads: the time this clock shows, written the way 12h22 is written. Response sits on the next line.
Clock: 6h34
